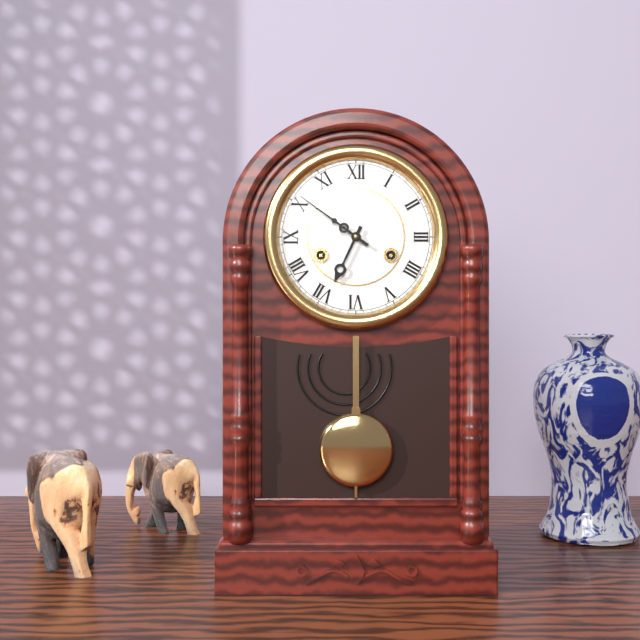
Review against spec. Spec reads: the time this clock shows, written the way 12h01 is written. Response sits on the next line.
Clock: 6h51
